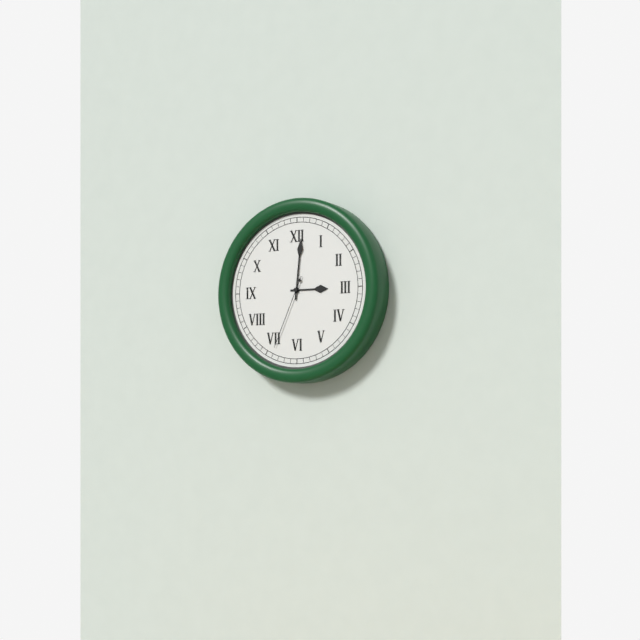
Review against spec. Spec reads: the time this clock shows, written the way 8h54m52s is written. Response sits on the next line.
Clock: 3h01m34s
